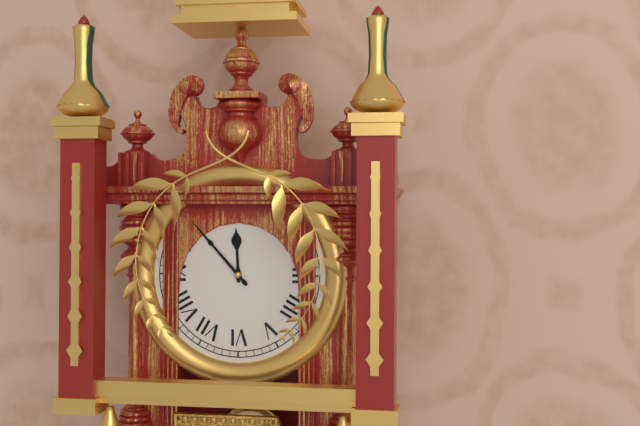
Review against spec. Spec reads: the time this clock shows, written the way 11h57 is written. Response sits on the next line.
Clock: 11h53
